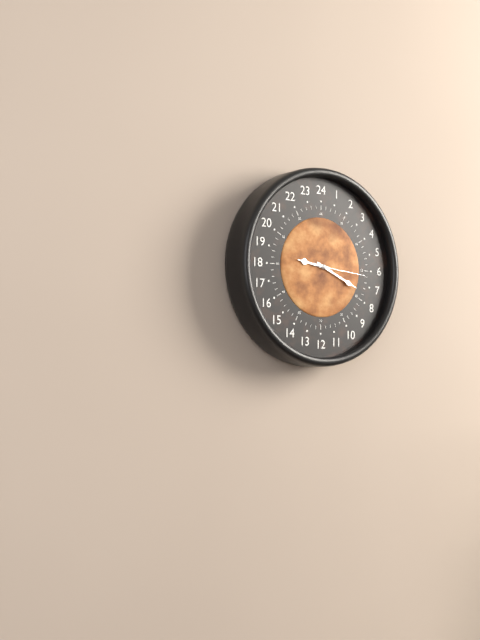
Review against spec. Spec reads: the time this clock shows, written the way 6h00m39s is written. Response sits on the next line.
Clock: 9h19m16s
